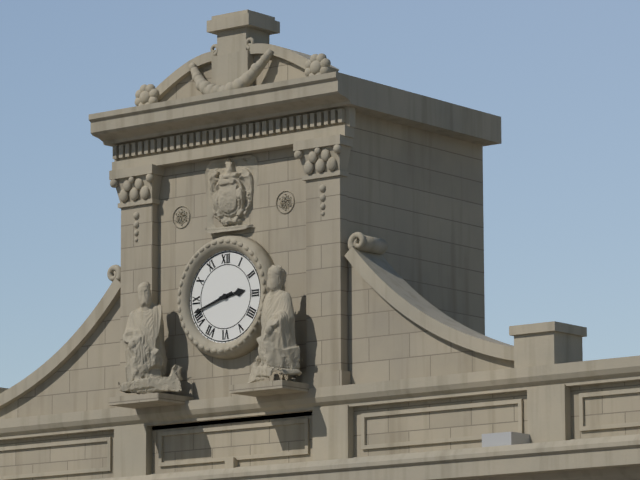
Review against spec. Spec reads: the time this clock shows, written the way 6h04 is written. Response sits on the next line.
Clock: 2h42
